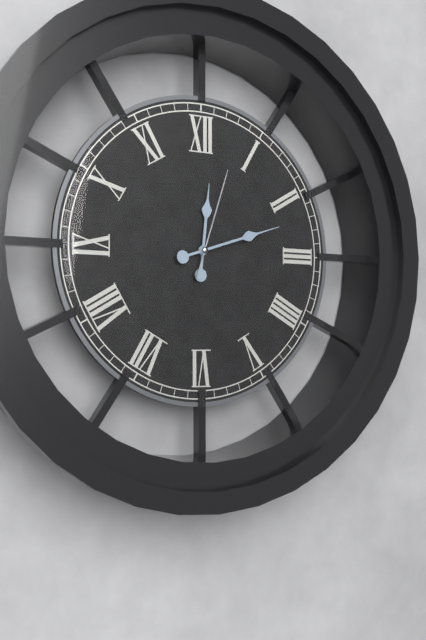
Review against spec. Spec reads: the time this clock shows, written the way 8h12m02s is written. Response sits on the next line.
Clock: 12h12m03s
